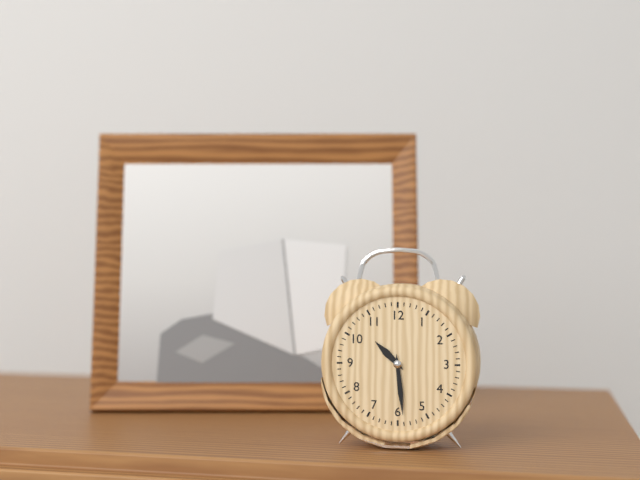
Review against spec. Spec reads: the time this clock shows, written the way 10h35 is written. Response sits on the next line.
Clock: 10h29
